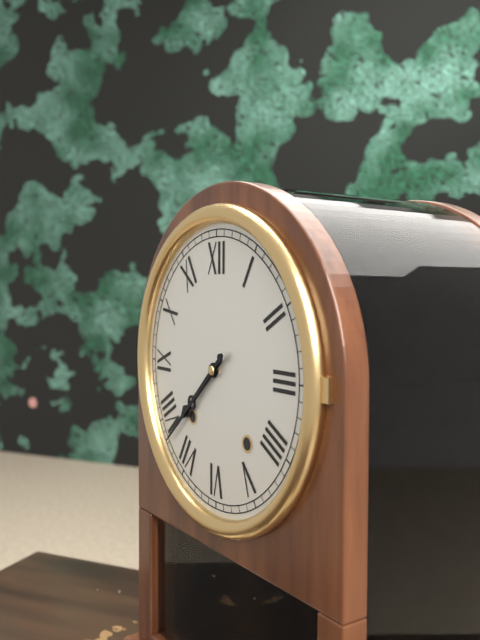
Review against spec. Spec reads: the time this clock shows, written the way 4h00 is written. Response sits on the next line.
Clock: 7h38
